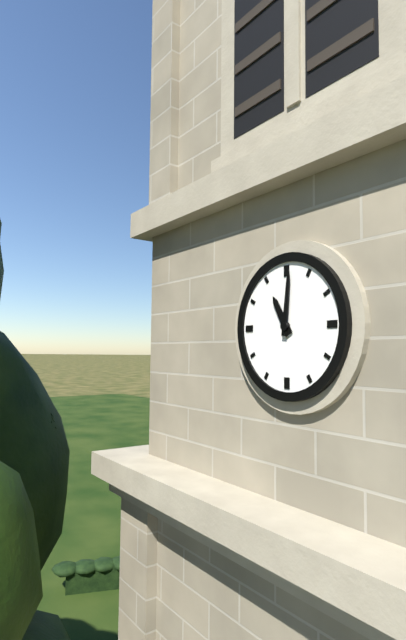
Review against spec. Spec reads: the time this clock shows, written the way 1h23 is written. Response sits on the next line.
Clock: 11h01
